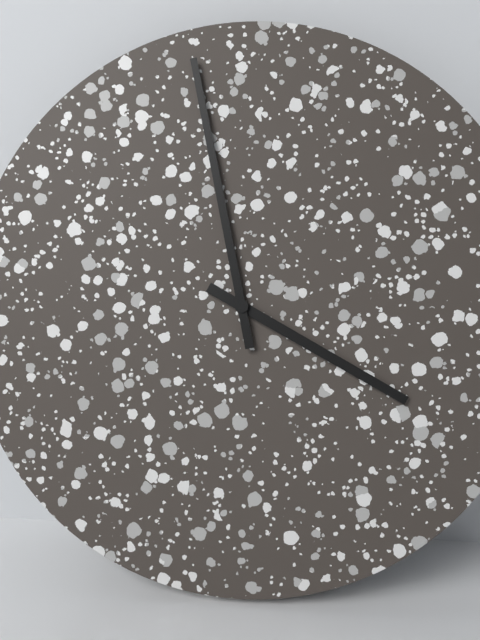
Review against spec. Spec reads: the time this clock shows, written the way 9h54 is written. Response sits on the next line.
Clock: 3h58
